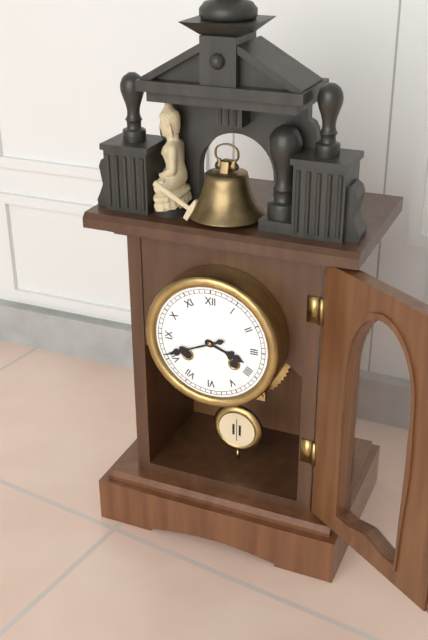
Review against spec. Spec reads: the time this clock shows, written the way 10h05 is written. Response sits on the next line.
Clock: 3h41
